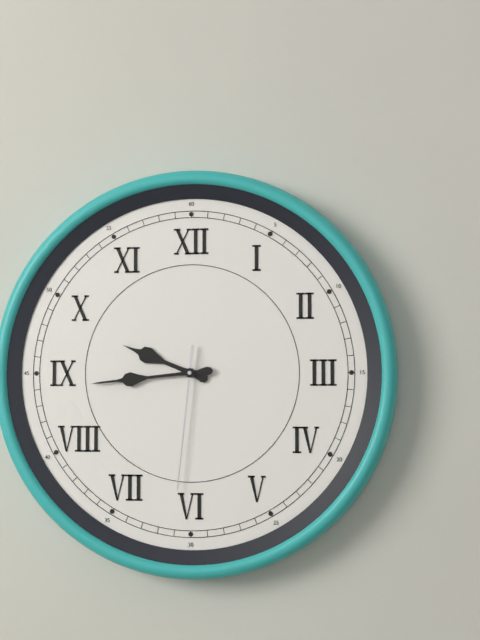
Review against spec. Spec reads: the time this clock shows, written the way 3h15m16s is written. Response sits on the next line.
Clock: 9h44m31s
